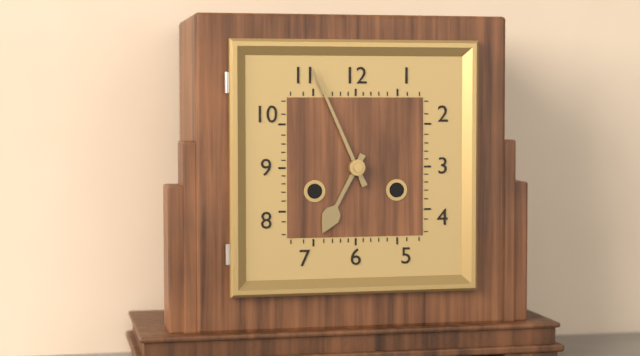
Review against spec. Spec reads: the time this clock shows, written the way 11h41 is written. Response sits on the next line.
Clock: 6h56
